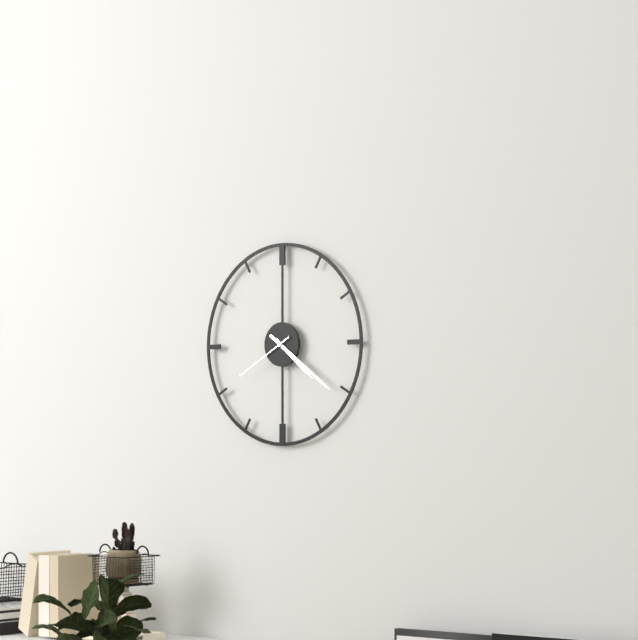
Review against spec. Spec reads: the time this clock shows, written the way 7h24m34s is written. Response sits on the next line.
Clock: 4h21m40s
